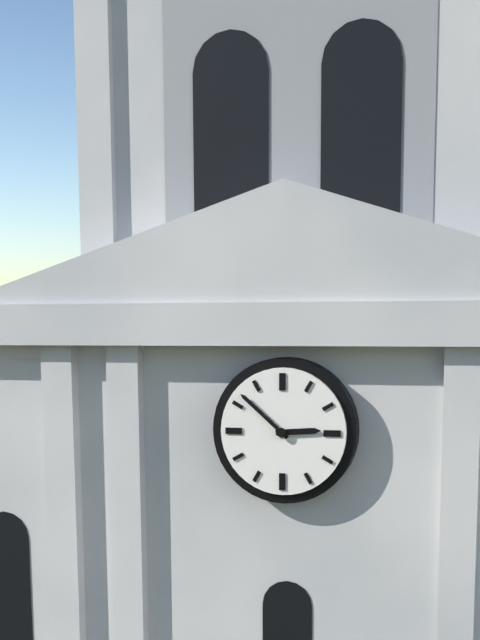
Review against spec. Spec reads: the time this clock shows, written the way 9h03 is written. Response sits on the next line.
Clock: 2h52
